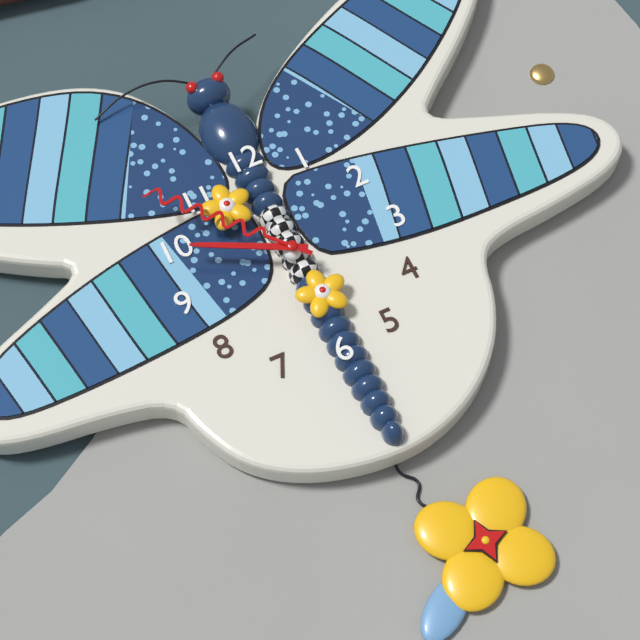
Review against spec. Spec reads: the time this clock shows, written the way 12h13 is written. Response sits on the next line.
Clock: 9h53
